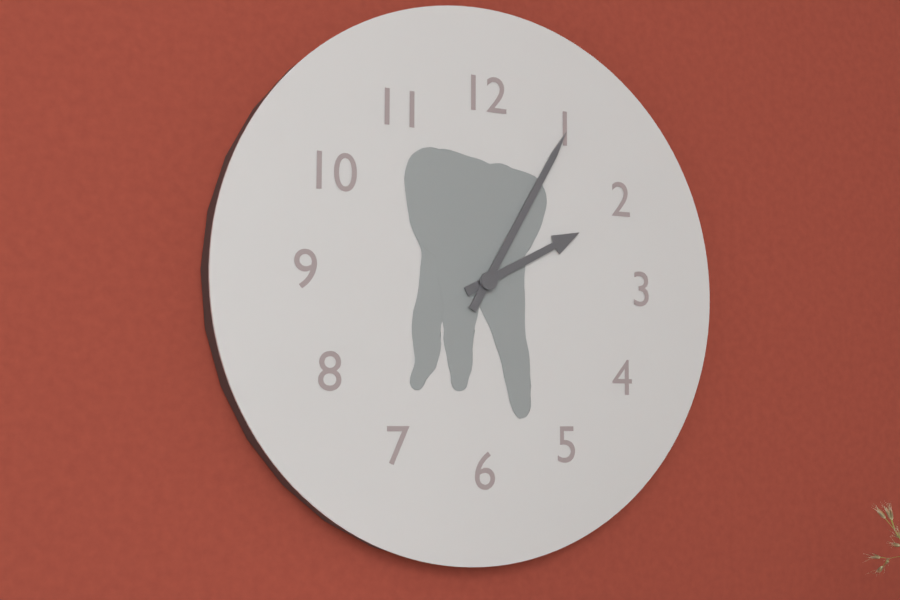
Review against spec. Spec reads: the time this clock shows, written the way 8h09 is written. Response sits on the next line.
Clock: 2h05
